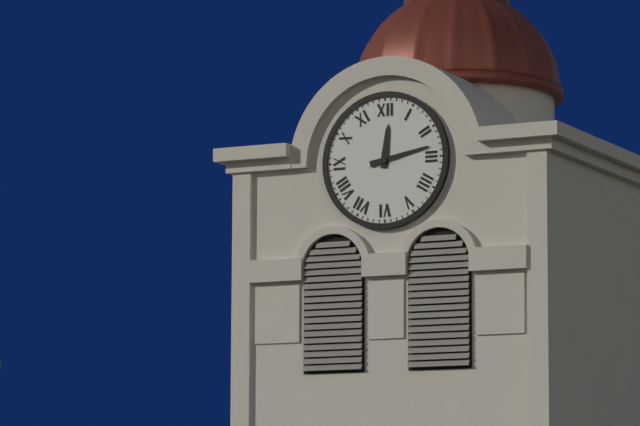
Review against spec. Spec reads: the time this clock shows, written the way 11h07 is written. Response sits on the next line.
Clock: 12h13
